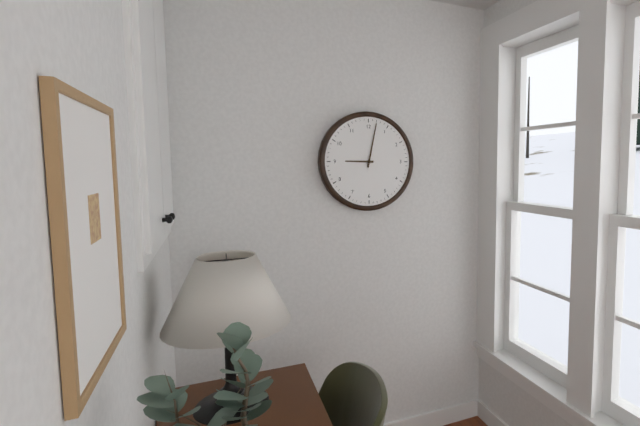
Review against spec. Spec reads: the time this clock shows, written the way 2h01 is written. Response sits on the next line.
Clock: 9h02
